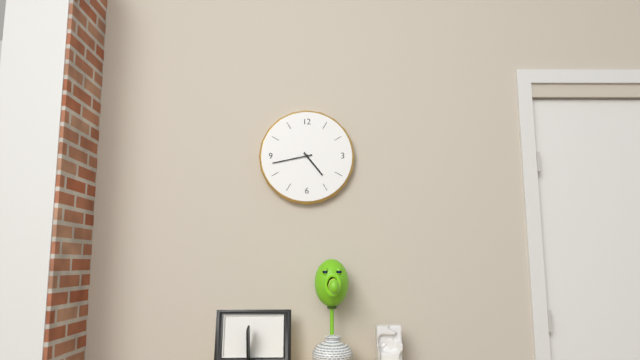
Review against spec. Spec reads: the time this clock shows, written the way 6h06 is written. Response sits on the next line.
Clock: 4h43
